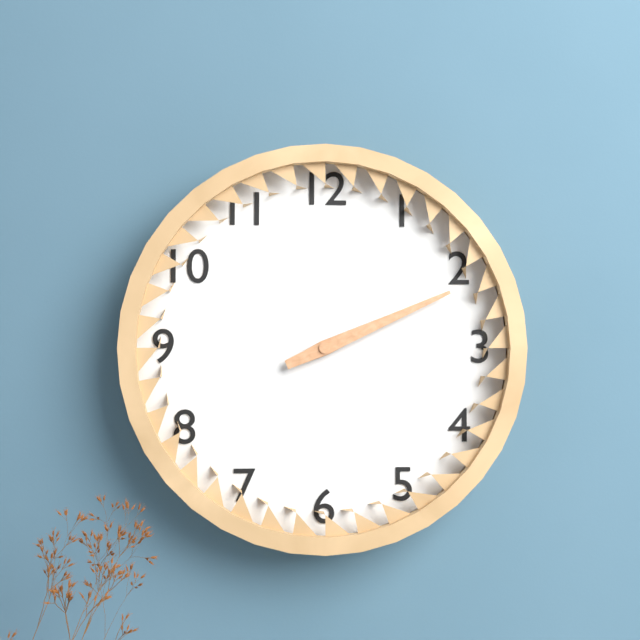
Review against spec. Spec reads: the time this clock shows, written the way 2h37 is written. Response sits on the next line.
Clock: 2h11
